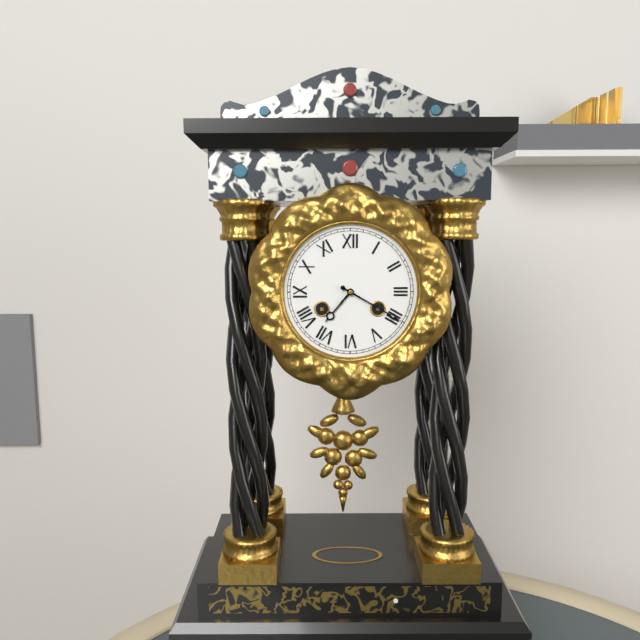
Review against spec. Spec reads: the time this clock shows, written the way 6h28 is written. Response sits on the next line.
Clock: 7h20
